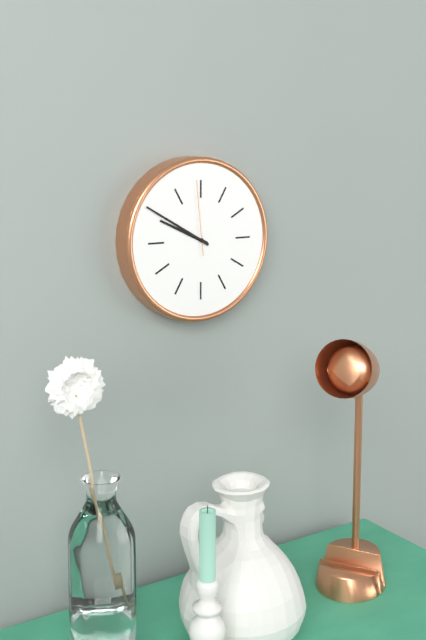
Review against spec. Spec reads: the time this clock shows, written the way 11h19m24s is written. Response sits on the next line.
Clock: 9h50m59s
